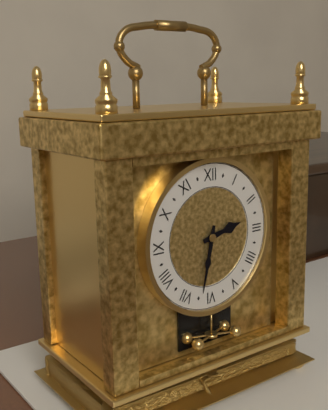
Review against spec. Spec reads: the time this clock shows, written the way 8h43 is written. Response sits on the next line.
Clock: 2h32
